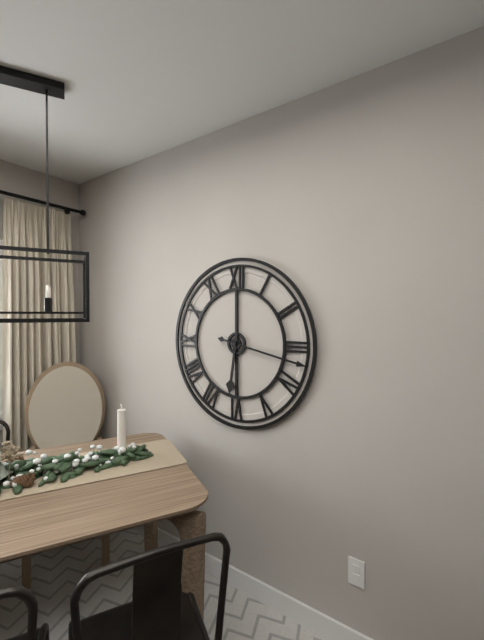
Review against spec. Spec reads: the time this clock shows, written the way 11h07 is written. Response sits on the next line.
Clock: 6h17
